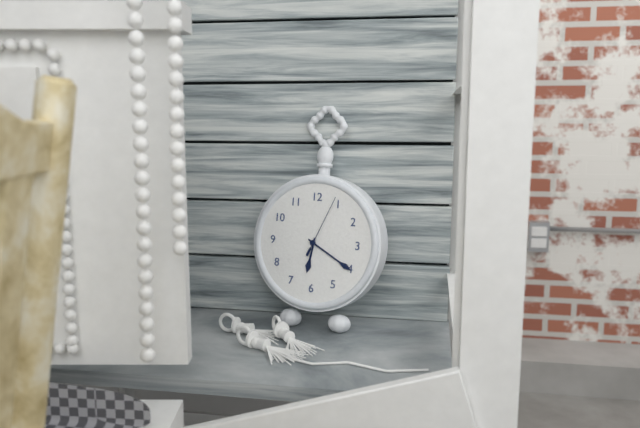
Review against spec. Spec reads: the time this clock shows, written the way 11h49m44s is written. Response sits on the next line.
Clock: 6h20m04s
